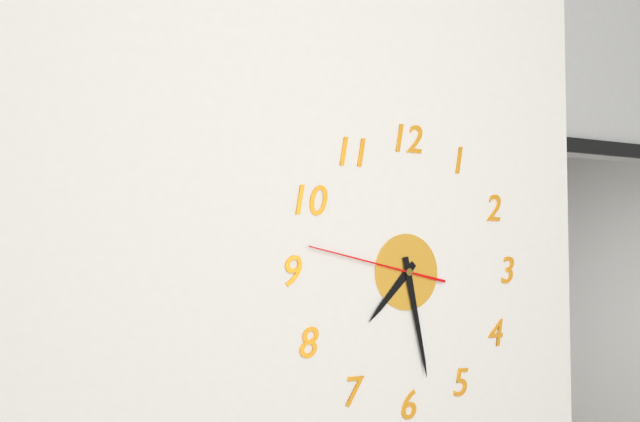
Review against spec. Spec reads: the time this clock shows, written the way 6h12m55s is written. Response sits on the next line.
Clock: 7h28m47s
